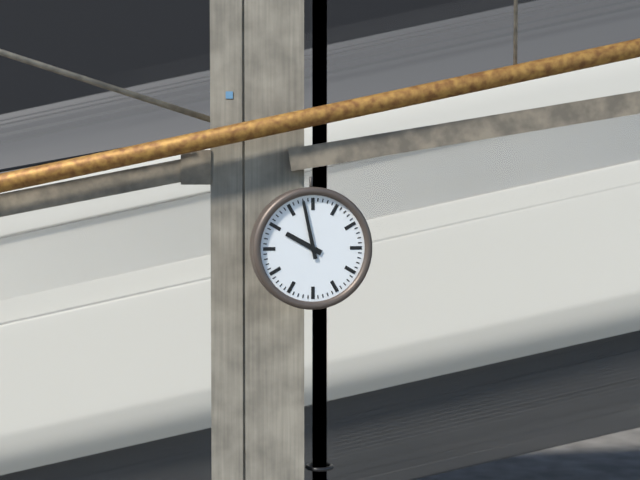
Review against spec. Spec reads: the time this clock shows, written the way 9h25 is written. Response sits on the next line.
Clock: 9h58
